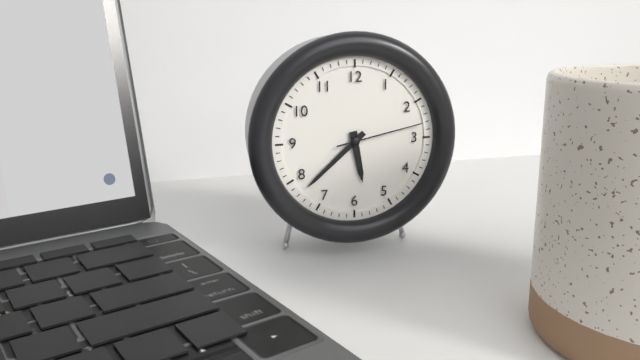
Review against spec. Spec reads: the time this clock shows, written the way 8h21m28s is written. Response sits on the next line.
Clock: 5h38m13s
